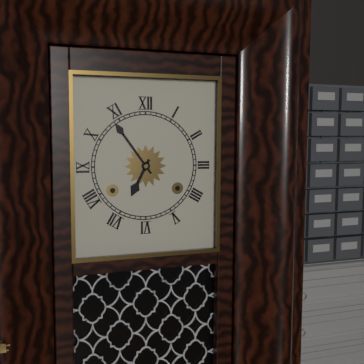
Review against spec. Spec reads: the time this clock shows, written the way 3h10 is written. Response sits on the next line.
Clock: 6h54
